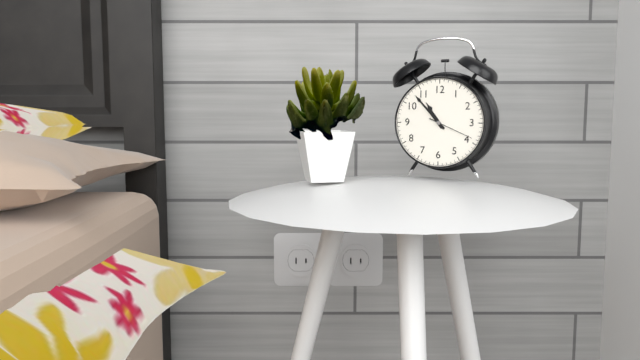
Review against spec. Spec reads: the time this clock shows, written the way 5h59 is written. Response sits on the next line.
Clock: 10h53
